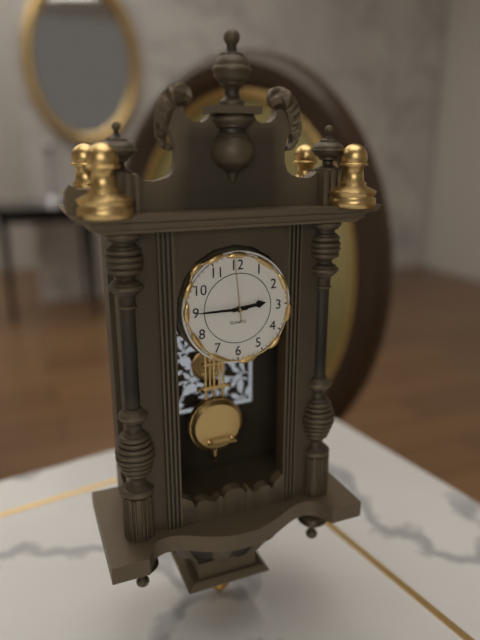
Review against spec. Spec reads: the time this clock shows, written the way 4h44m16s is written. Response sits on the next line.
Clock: 2h45m59s
